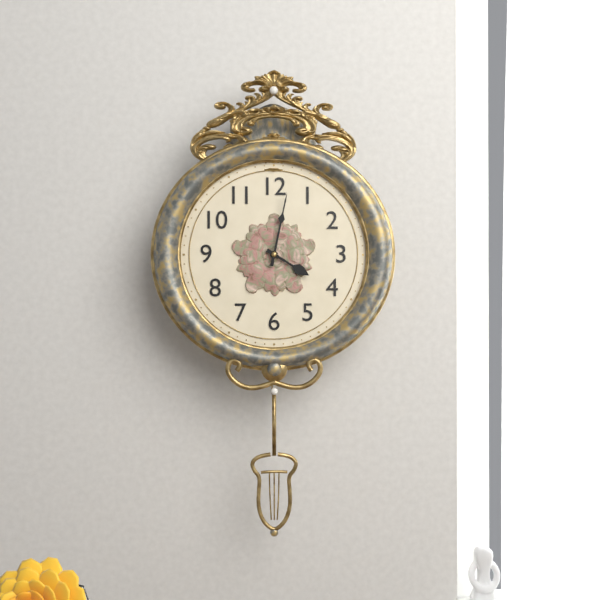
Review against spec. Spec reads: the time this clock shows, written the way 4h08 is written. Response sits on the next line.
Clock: 4h02
